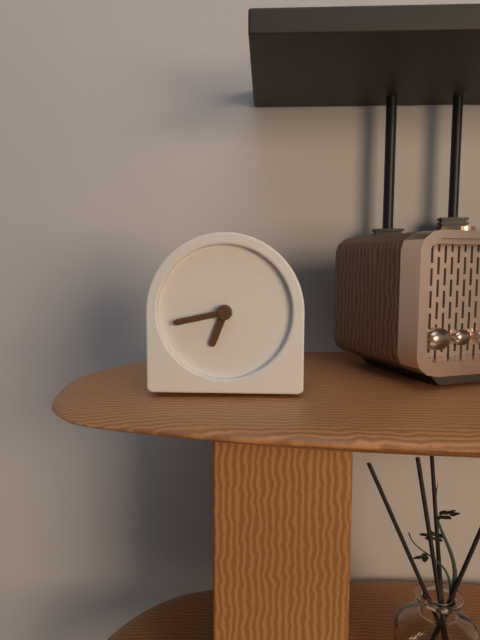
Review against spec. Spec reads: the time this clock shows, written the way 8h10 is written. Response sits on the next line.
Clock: 6h43
